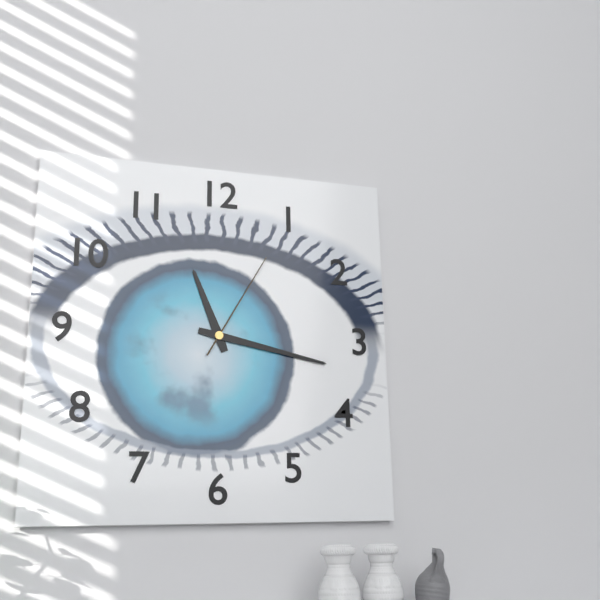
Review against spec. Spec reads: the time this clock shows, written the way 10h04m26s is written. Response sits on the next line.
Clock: 11h17m05s
